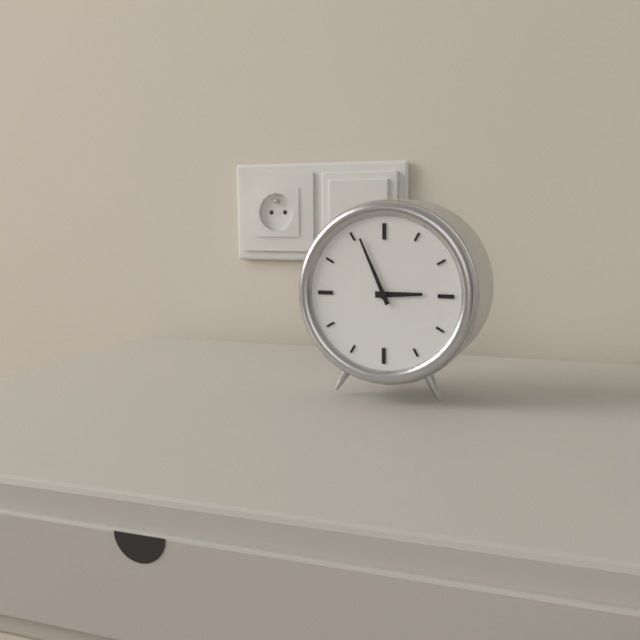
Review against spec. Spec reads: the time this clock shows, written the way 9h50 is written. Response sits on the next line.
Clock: 2h56
